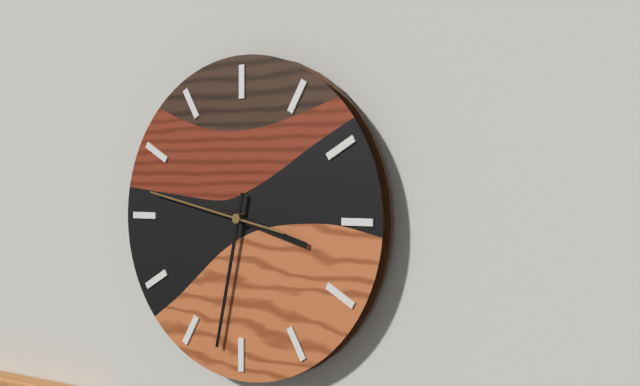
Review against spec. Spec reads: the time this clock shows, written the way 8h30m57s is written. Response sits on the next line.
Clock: 3h32m47s
